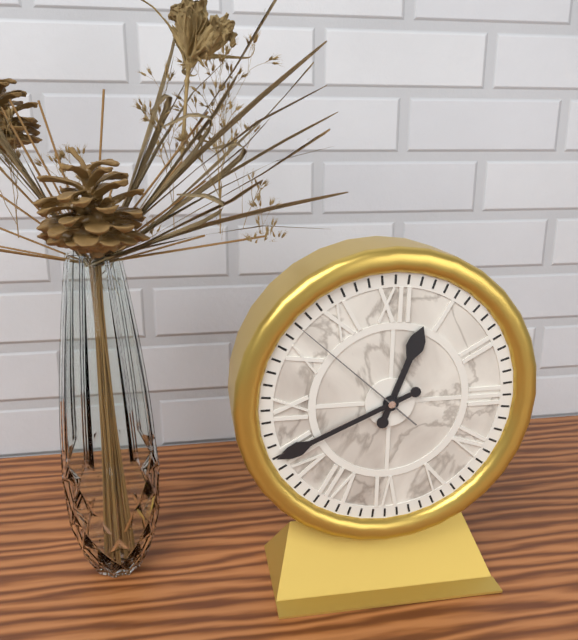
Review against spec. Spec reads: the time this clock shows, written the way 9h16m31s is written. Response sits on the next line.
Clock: 12h41m52s
